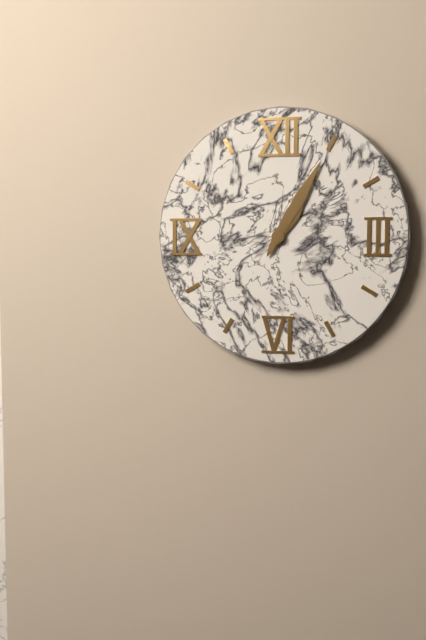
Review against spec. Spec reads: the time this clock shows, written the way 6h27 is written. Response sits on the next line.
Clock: 1h05
